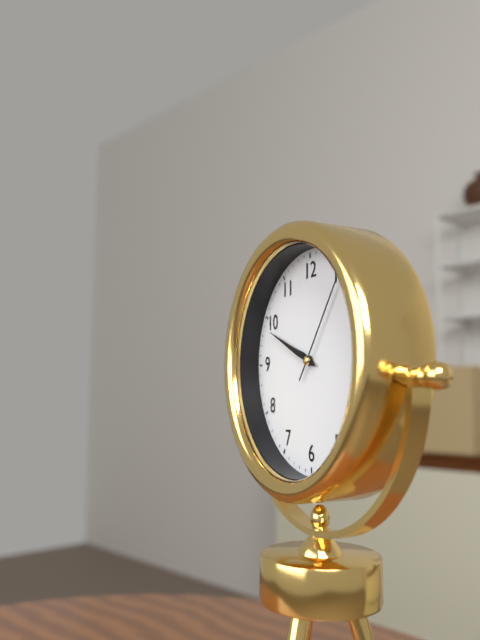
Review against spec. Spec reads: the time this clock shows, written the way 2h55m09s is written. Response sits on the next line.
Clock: 9h49m06s
